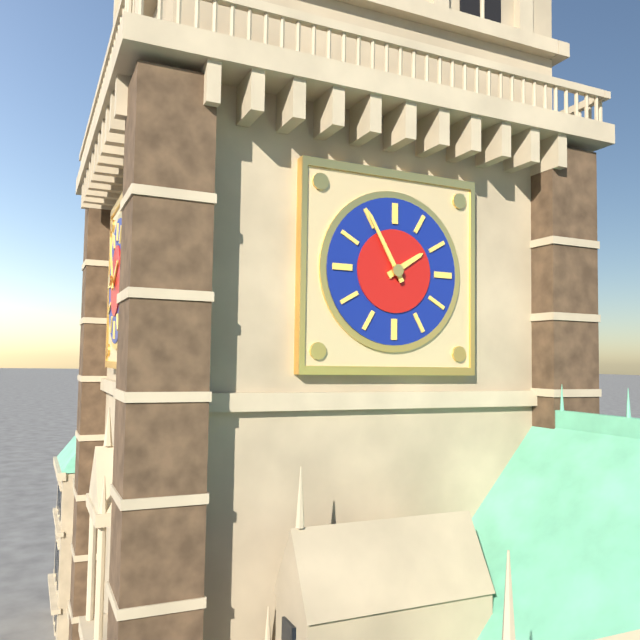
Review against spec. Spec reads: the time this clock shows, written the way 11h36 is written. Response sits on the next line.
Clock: 1h55
